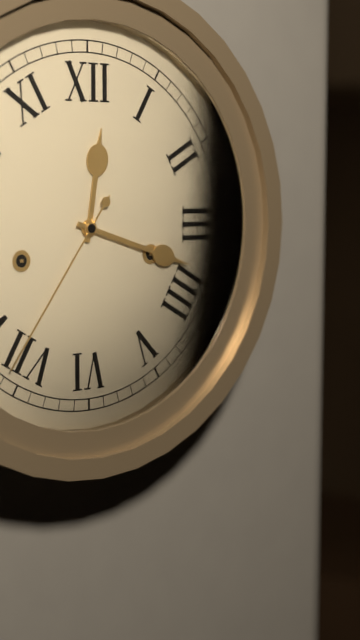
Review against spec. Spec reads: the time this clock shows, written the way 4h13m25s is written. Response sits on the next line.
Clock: 12h18m36s
